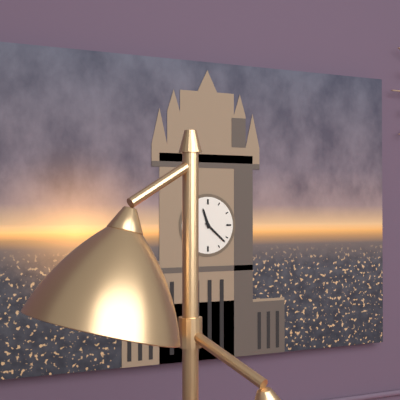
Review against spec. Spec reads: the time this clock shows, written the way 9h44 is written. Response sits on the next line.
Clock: 11h22
